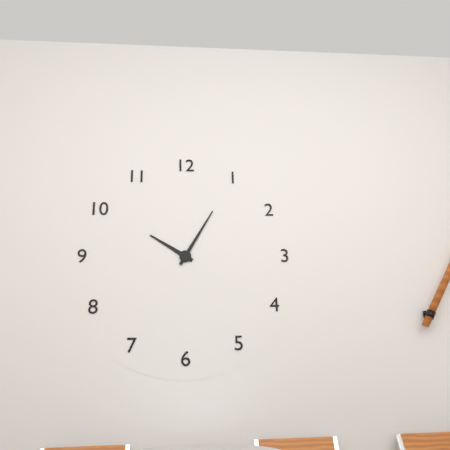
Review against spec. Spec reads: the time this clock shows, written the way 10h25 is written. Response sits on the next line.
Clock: 10h05
